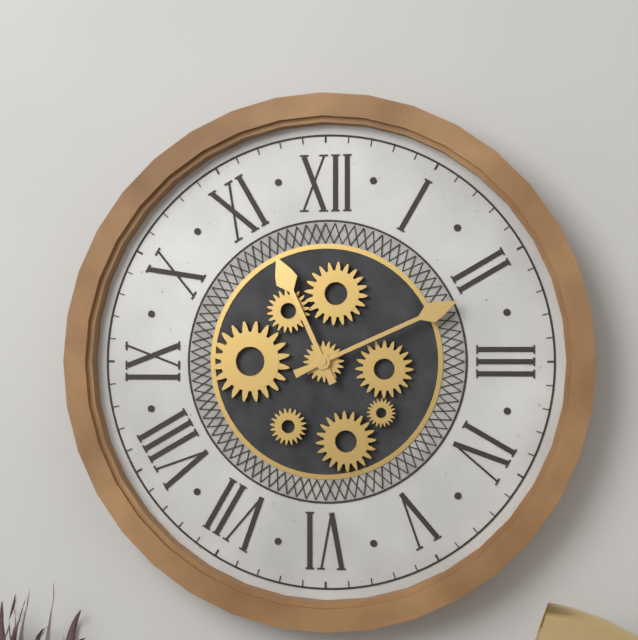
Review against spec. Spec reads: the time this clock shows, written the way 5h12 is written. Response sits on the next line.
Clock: 11h11
